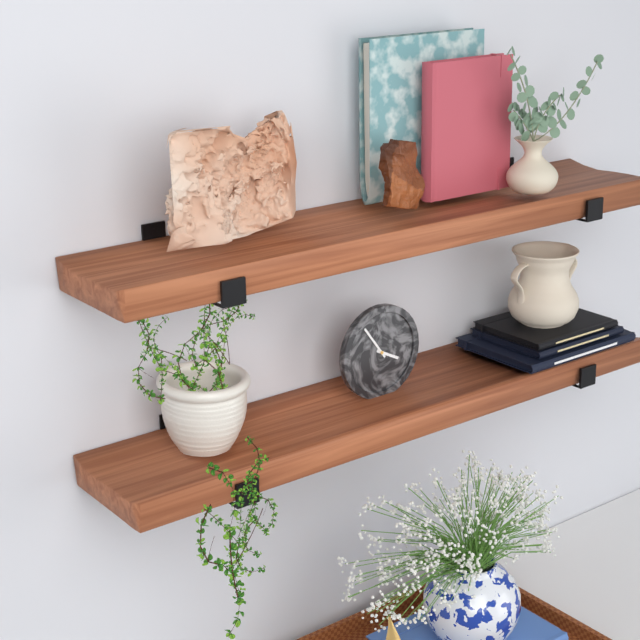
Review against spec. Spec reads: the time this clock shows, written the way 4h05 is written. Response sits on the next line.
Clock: 3h54
